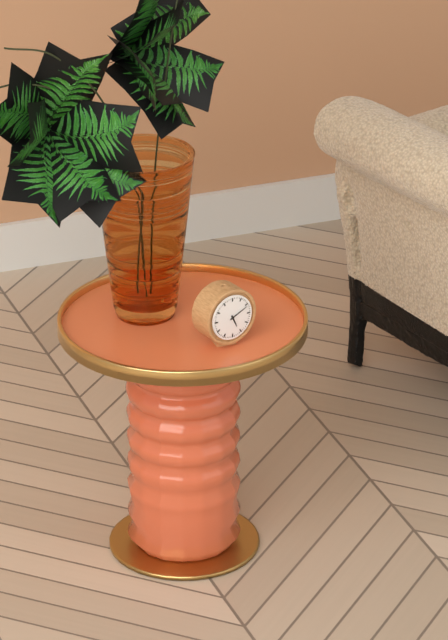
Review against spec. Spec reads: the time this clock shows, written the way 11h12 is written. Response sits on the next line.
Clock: 5h11
